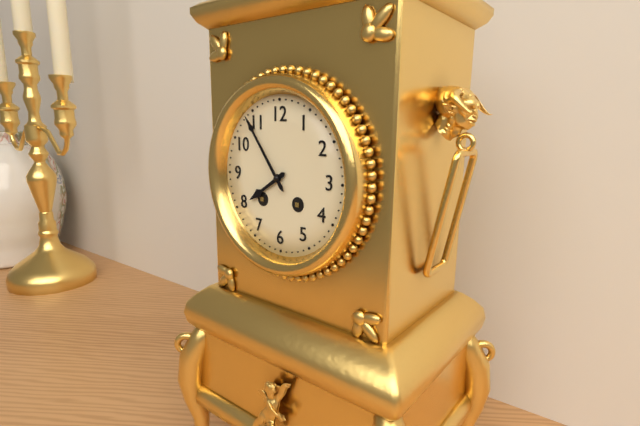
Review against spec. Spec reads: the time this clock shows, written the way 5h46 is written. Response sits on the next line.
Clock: 7h54
